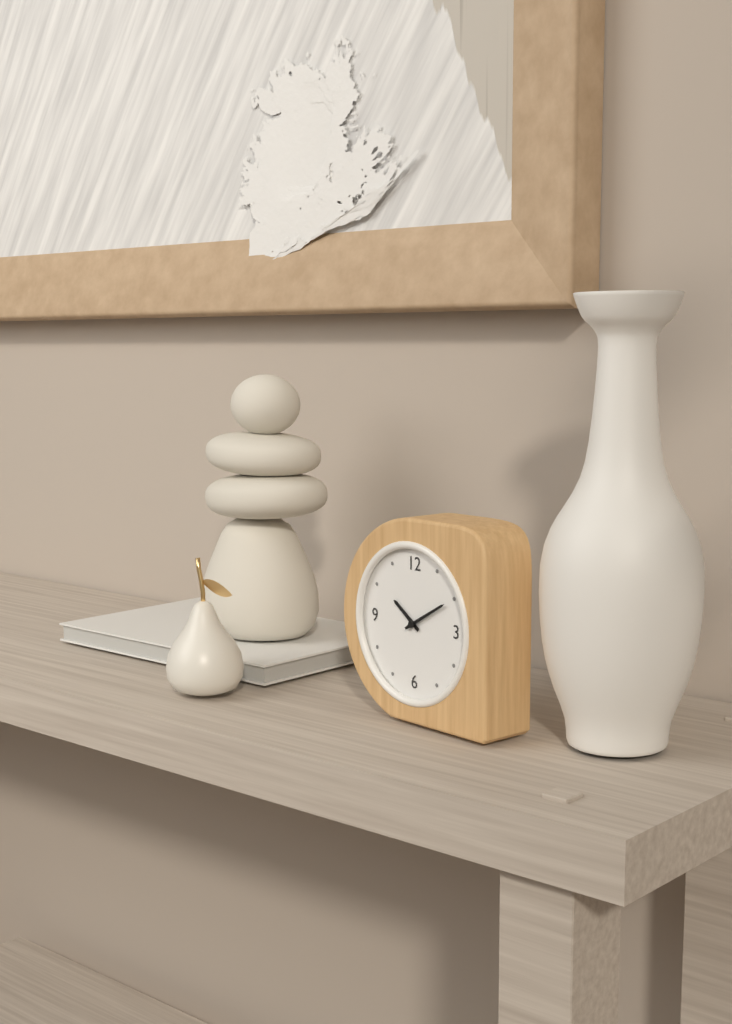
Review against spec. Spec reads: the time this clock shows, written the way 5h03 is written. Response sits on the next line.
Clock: 10h10
